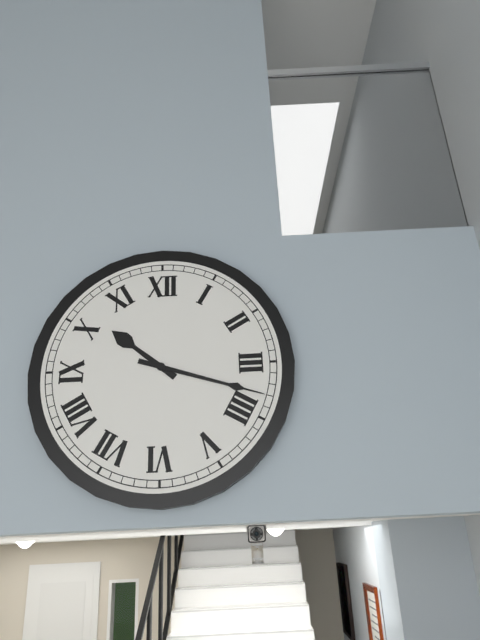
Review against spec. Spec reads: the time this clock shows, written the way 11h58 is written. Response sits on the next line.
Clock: 10h18
